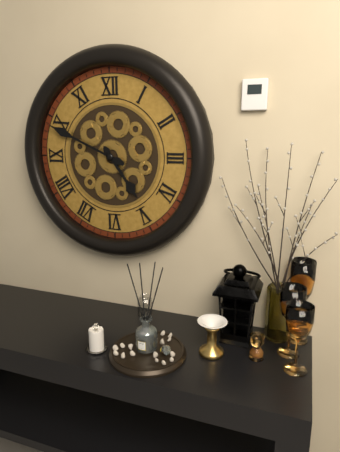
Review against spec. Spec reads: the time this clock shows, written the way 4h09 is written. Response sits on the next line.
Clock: 4h49
